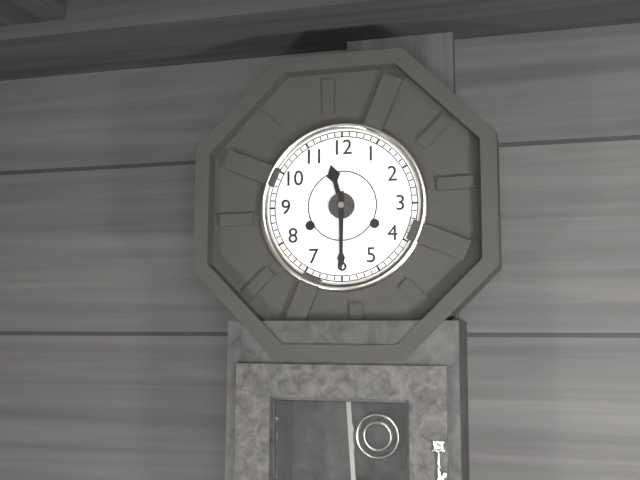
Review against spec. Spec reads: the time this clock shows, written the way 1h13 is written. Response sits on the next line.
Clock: 11h30
